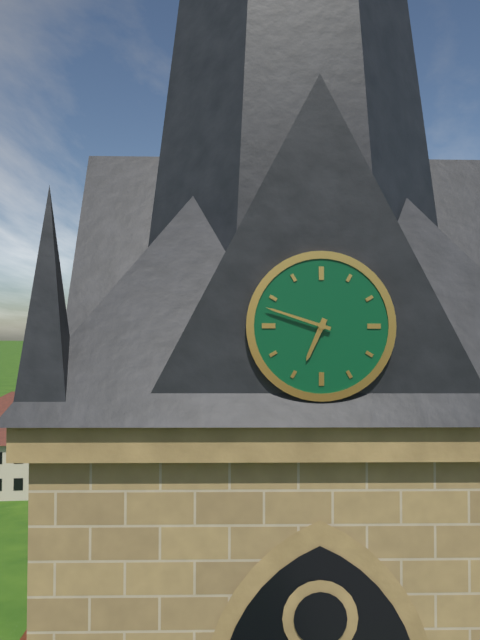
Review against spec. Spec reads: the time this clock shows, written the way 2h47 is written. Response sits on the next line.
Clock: 6h48
